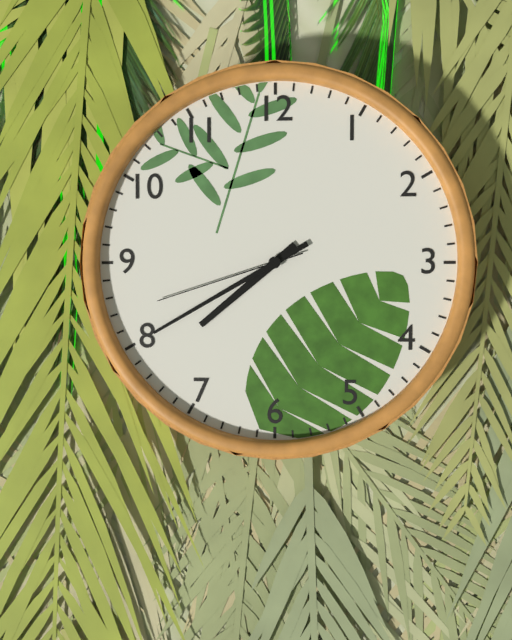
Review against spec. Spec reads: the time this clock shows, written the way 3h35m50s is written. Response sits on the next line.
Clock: 7h40m42s
